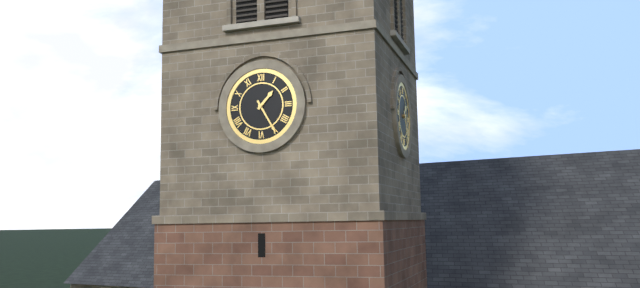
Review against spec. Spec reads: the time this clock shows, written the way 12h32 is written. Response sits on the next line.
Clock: 1h25
